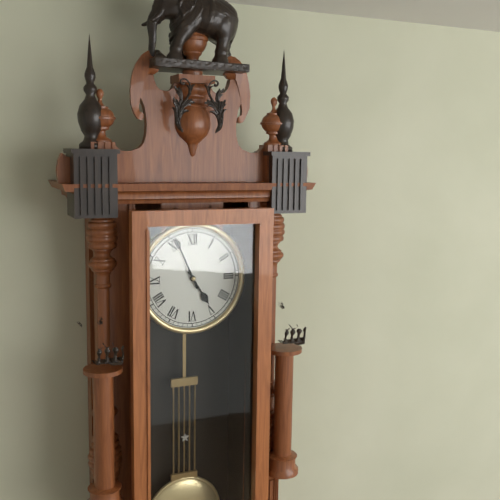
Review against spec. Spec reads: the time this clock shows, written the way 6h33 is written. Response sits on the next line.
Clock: 4h56
